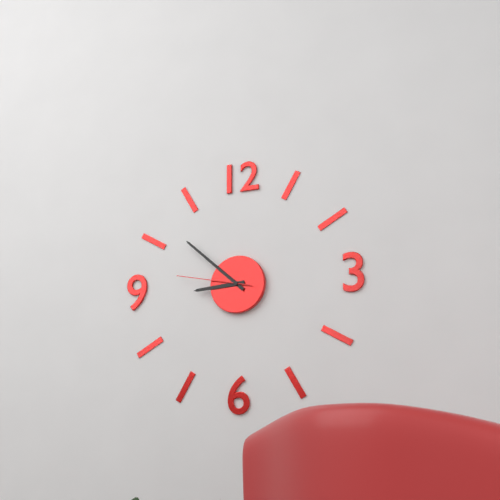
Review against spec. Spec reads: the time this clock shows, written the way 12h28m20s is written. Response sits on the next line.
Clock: 8h52m47s
